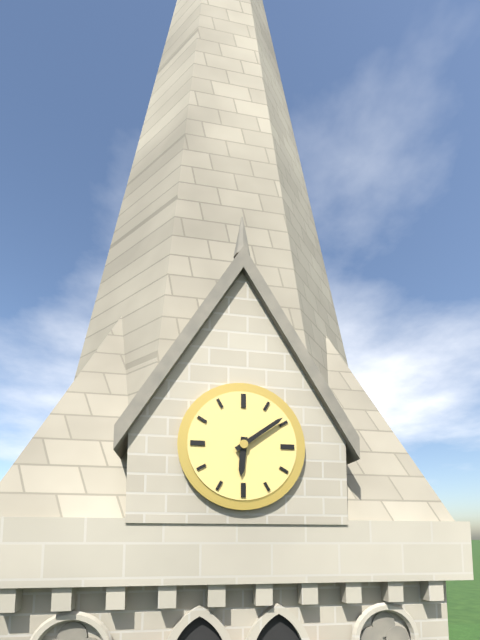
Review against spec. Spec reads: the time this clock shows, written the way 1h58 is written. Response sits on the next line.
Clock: 6h09
